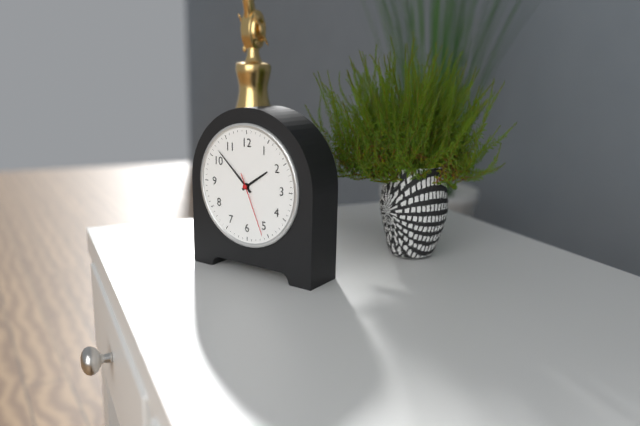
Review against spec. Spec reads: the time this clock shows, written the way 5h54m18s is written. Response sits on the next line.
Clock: 1h52m26s
